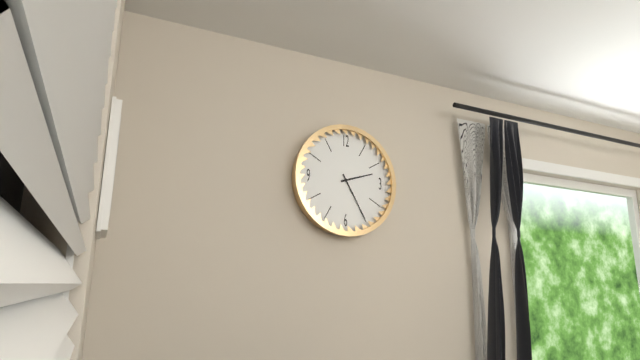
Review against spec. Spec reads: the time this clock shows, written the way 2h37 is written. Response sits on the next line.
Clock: 2h25
